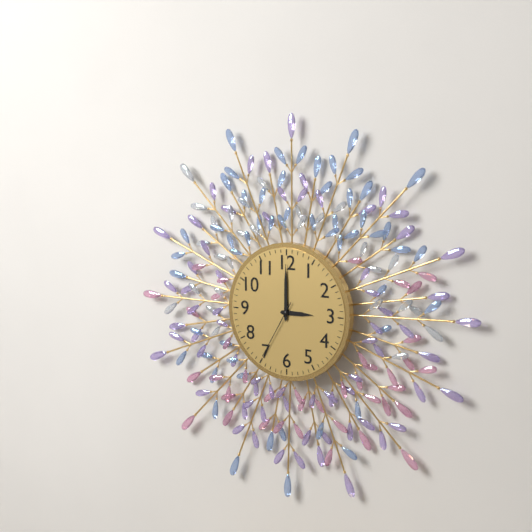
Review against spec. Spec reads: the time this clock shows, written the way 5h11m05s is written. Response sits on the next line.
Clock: 3h00m35s
